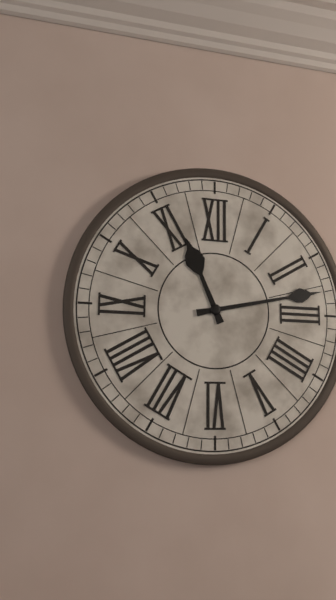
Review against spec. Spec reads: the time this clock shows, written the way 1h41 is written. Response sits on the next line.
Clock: 11h13
